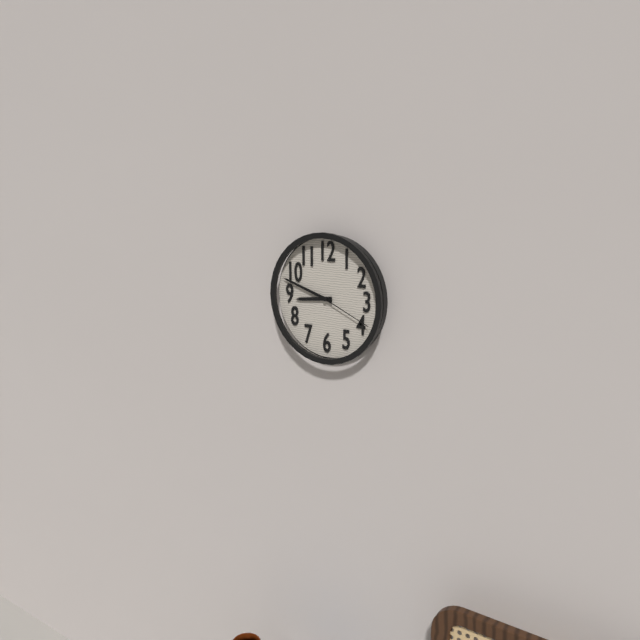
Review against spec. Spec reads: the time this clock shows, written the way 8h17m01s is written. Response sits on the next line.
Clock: 8h48m19s
